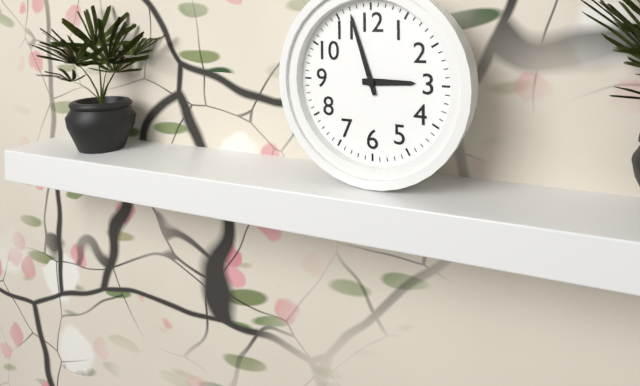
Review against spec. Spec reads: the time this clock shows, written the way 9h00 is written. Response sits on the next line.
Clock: 2h57
